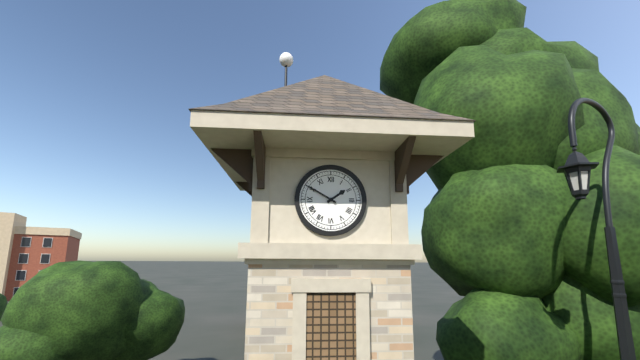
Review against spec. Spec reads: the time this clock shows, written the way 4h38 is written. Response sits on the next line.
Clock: 1h50
